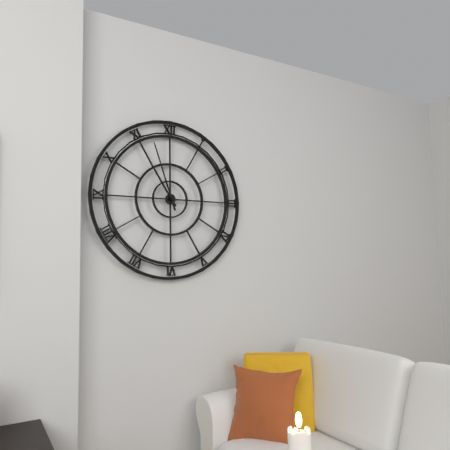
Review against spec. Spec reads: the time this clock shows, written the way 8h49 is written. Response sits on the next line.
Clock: 10h57
